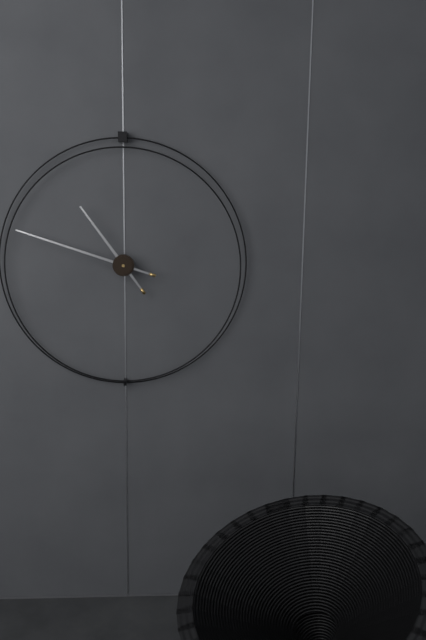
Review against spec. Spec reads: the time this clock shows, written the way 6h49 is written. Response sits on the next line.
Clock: 10h48
